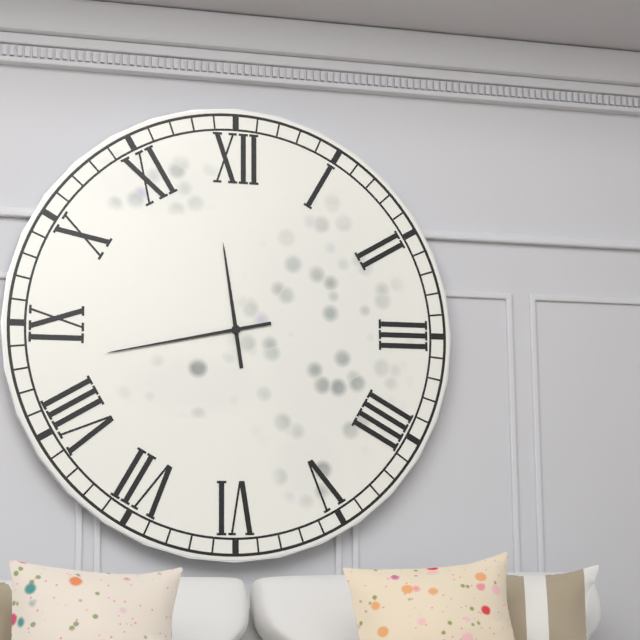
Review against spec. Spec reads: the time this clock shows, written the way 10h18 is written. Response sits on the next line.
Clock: 11h43
